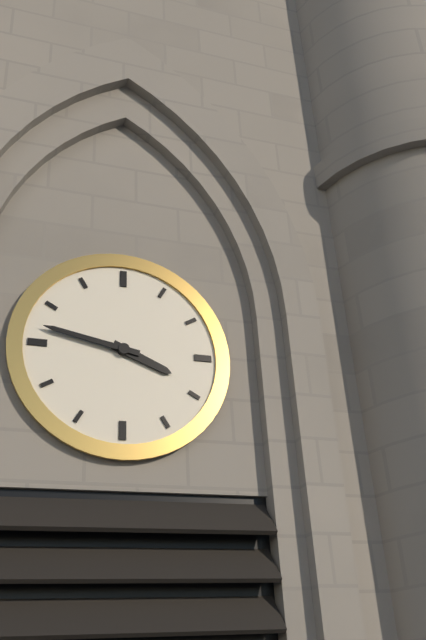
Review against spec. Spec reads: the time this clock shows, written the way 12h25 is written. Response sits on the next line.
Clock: 3h47
